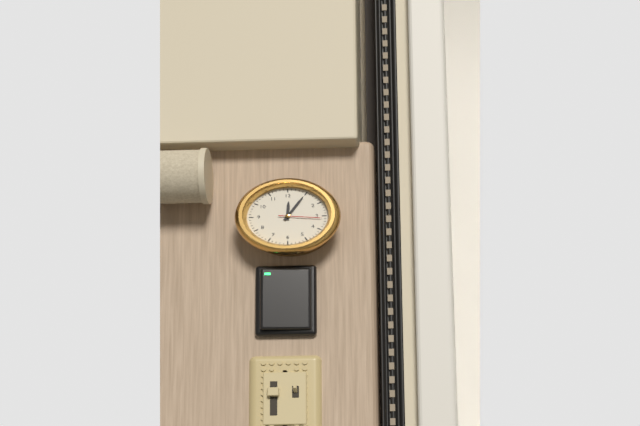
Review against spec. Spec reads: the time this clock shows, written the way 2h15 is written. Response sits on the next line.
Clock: 12h05
